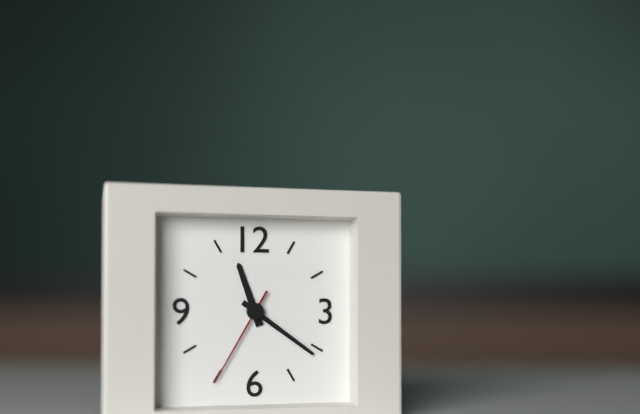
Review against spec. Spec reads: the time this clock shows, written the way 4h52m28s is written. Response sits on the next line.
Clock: 11h21m35s
